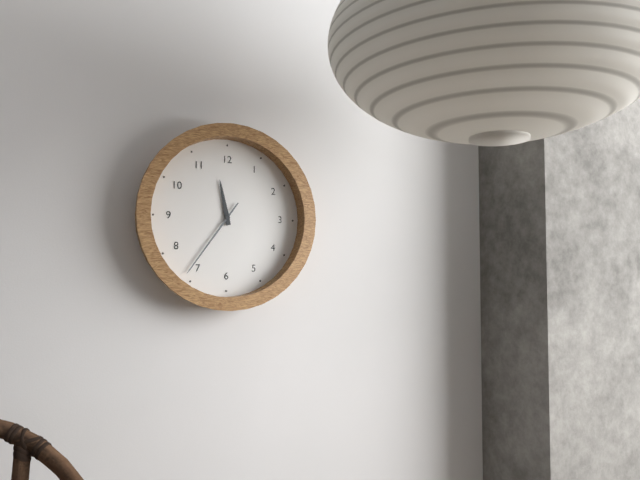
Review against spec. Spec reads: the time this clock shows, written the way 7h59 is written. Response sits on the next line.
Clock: 11h36
